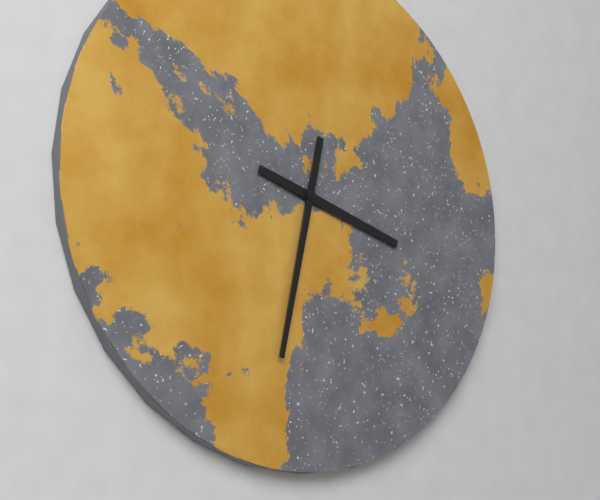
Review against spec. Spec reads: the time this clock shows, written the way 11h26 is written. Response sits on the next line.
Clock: 3h32
